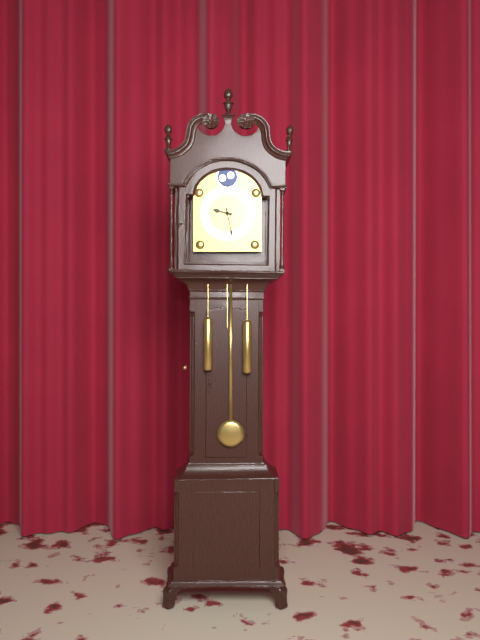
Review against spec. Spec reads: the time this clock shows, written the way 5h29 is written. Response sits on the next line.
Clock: 9h28
